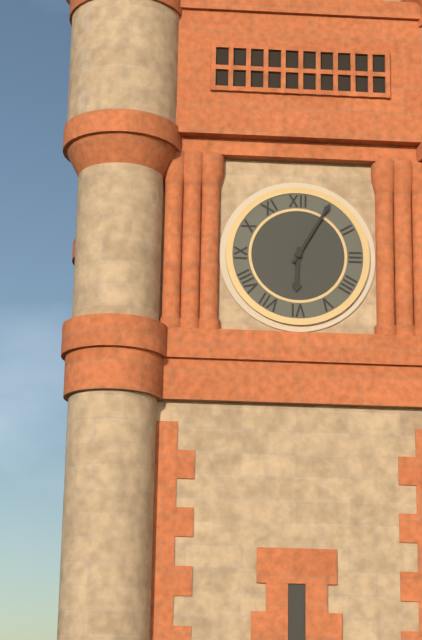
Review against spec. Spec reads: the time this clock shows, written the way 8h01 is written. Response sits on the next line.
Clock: 6h05
